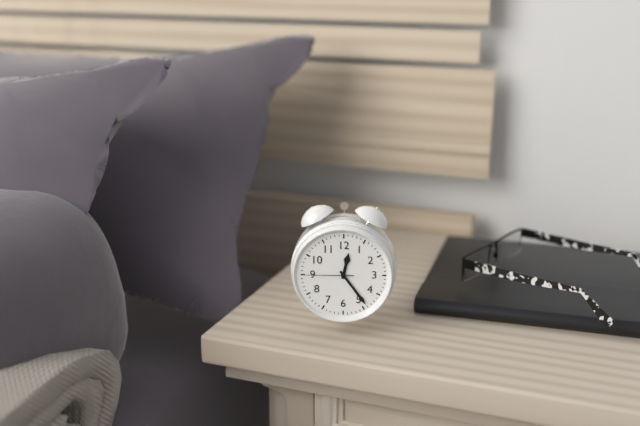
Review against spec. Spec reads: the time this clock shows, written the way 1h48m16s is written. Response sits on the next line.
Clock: 12h24m45s
